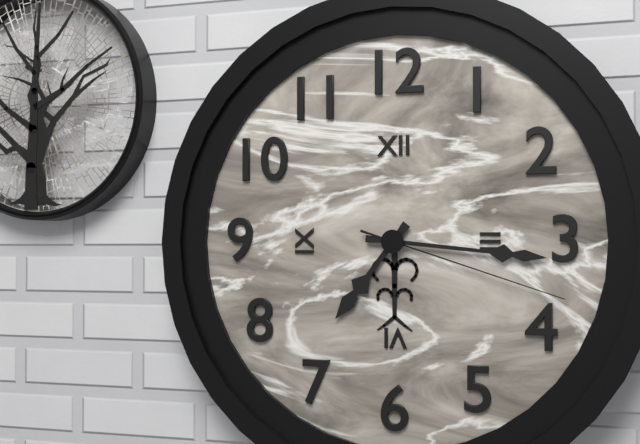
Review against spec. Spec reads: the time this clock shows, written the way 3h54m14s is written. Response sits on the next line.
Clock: 7h16m18s
